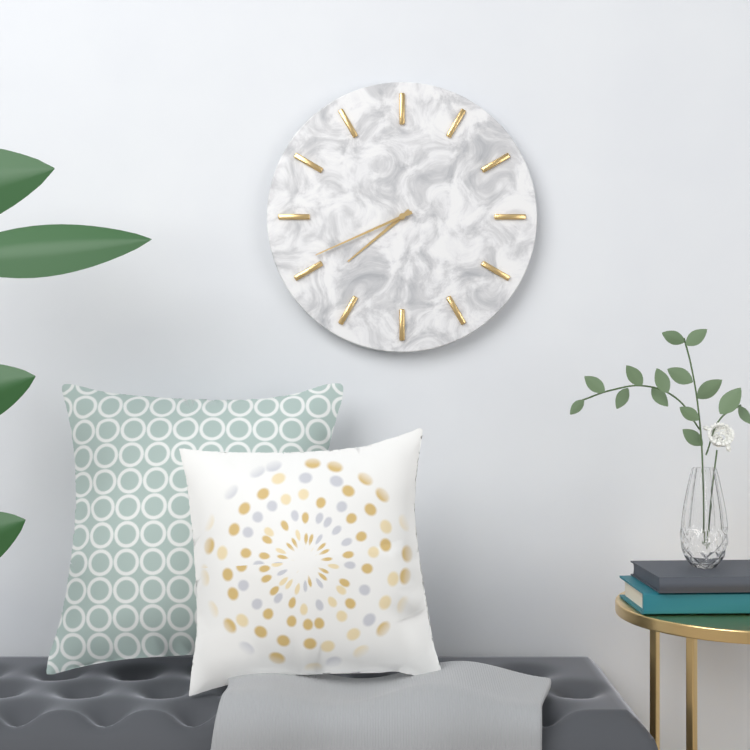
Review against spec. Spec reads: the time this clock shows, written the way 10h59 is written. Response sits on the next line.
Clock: 7h41
